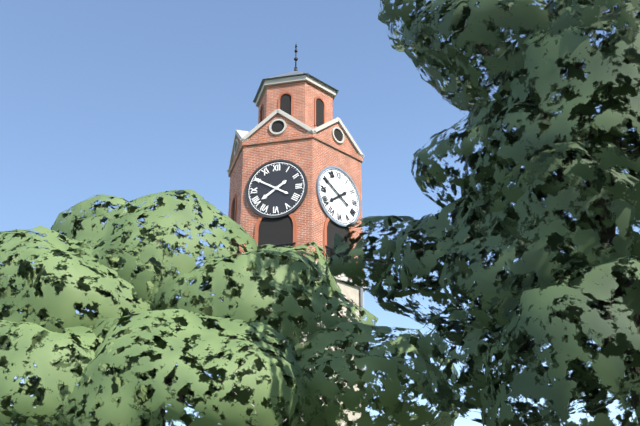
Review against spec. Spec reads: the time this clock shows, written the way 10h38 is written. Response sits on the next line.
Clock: 7h50
